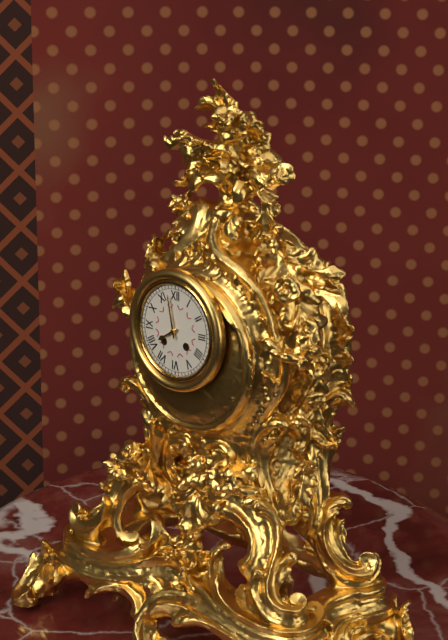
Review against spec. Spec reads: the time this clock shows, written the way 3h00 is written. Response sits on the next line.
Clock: 7h58
